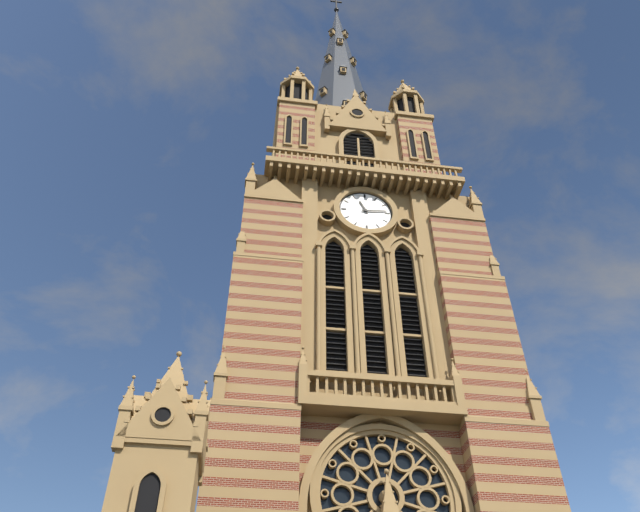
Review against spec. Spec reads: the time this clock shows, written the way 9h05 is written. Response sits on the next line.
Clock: 11h14
